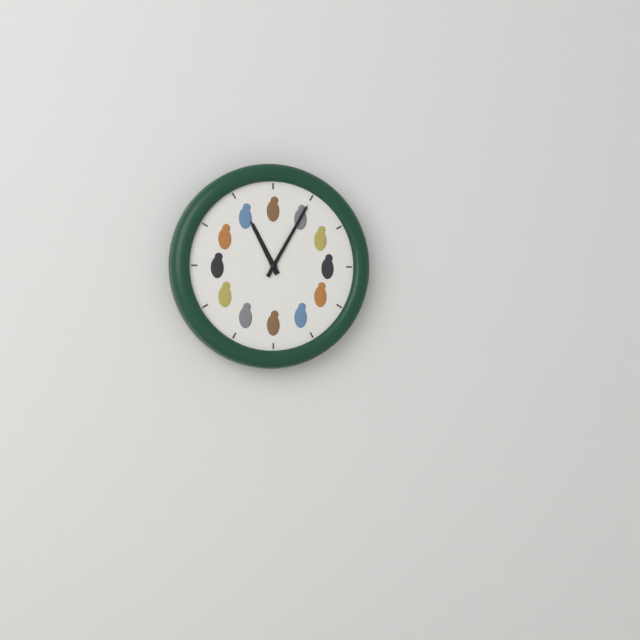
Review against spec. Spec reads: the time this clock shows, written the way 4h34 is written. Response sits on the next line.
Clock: 11h05
